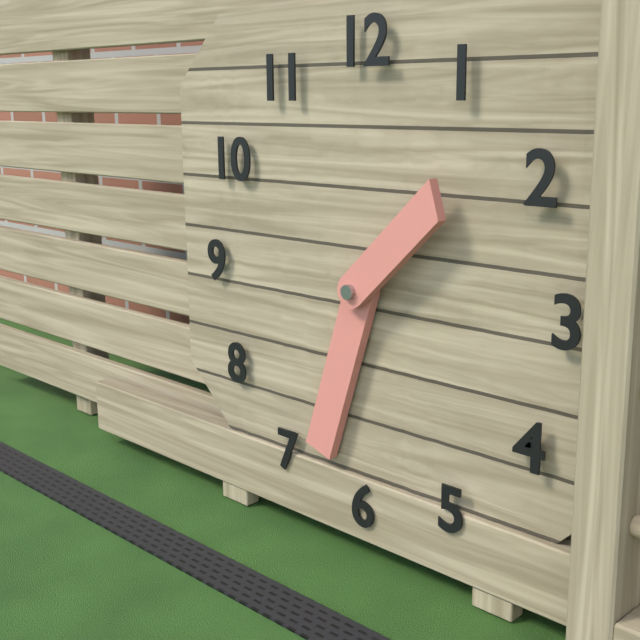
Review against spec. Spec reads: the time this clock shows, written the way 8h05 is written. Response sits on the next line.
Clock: 1h33
